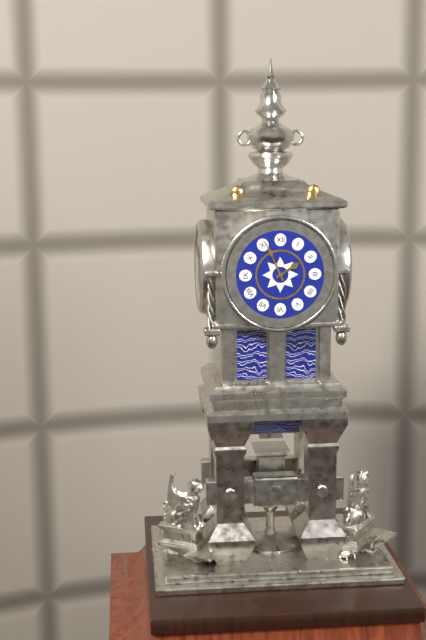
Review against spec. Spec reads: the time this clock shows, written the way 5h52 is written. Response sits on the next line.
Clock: 1h56
